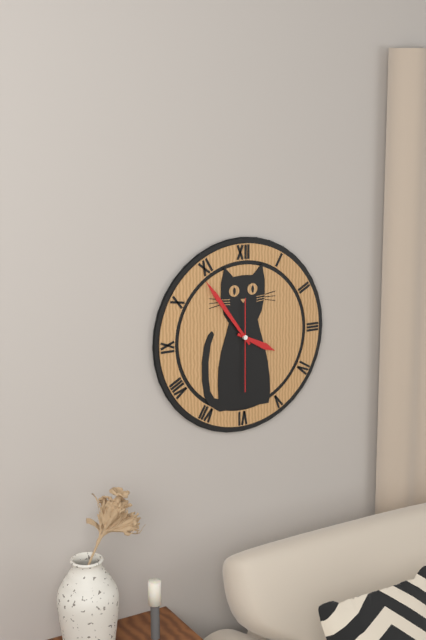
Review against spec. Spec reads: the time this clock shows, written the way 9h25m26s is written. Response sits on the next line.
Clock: 3h54m30s
